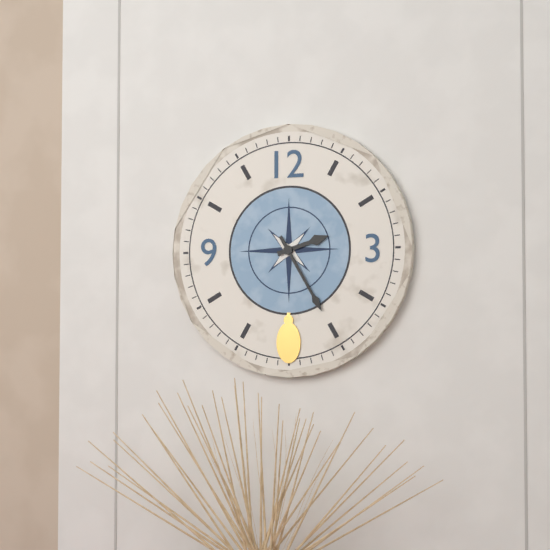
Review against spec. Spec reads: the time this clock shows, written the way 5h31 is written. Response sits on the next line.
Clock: 2h25
